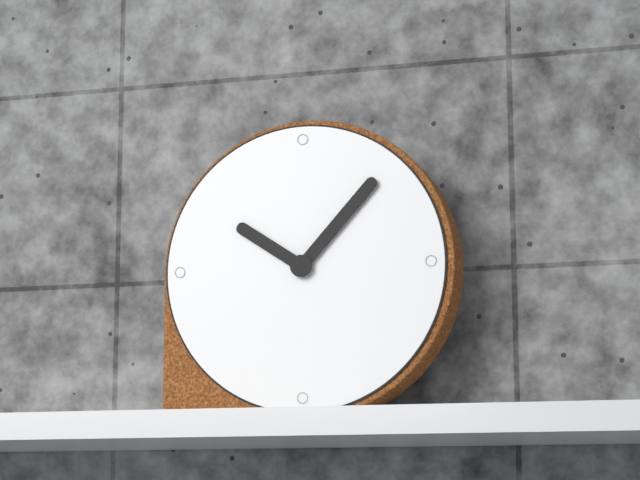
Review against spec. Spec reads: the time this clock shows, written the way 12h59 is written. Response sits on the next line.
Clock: 10h07
